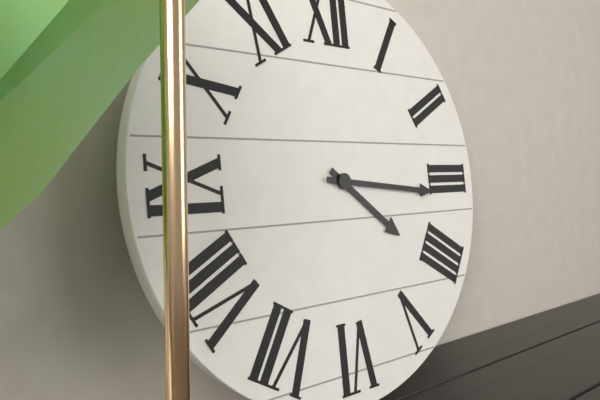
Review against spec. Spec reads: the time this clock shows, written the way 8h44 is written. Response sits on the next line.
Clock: 4h16
